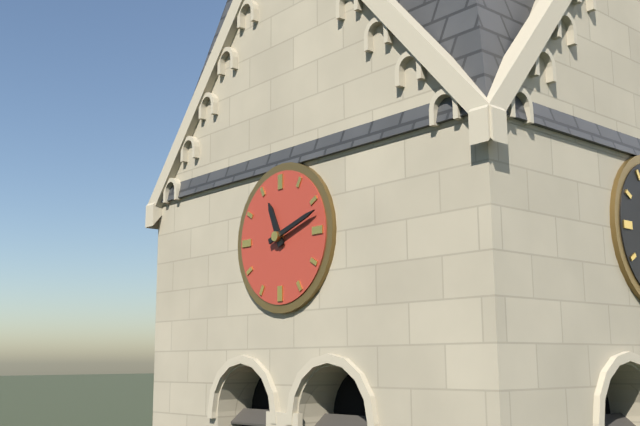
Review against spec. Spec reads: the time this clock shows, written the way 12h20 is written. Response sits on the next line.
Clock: 11h12
